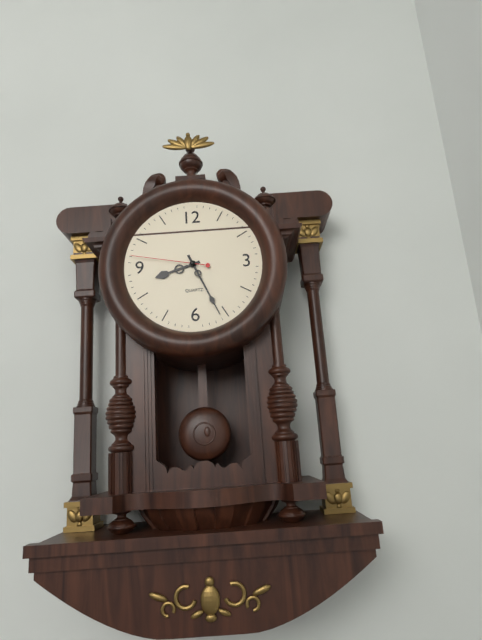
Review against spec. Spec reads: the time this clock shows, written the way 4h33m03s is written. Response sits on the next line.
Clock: 8h26m47s
